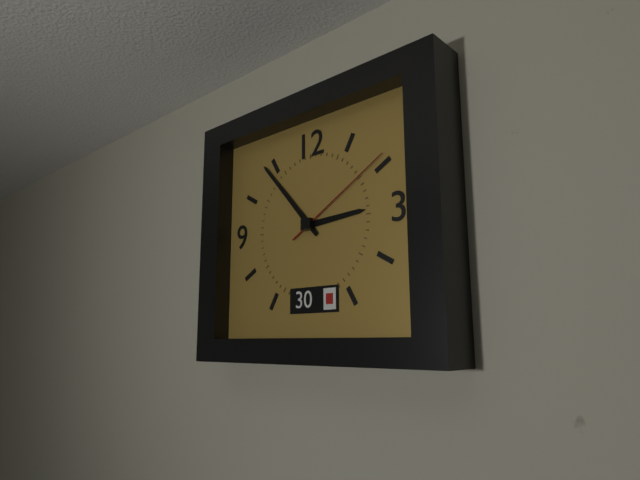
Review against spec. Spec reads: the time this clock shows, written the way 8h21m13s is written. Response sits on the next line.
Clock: 2h53m10s
